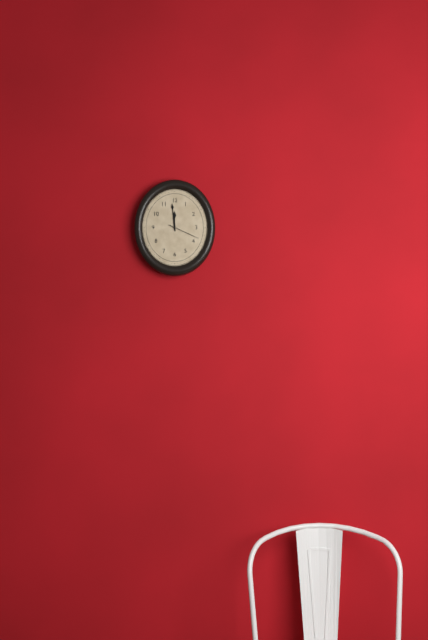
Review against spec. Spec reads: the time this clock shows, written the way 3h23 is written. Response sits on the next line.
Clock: 11h59
